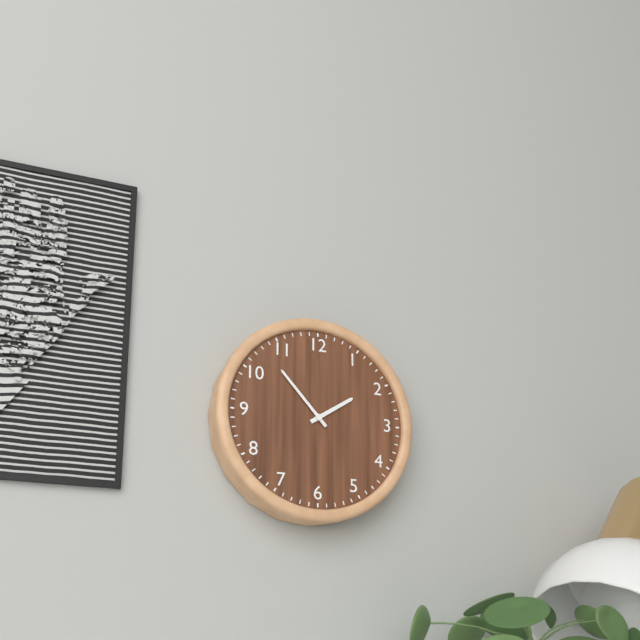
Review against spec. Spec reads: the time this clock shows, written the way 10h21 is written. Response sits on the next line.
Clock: 1h53
